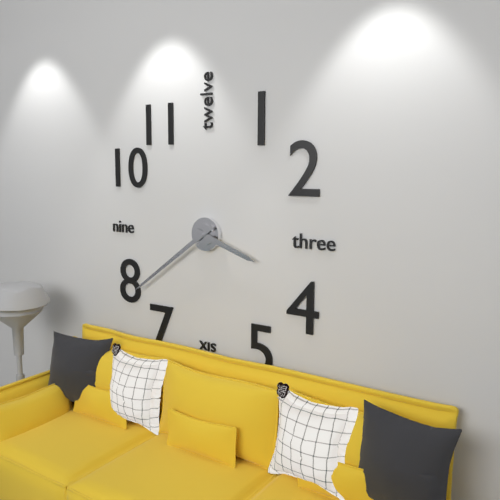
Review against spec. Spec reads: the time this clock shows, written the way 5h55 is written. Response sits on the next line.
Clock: 3h39
